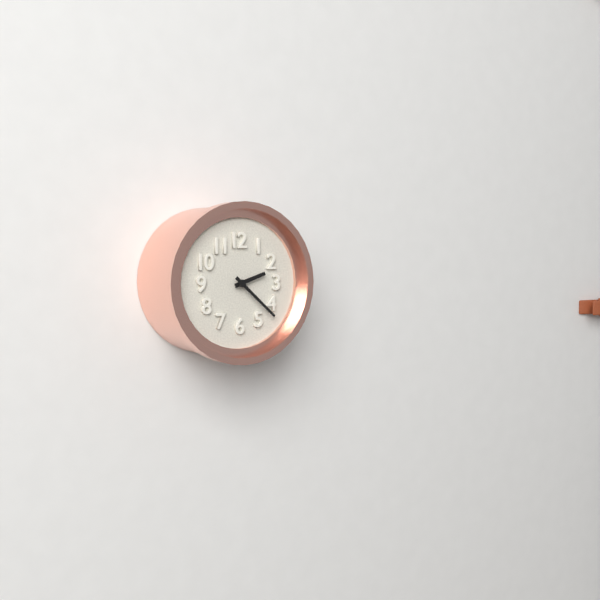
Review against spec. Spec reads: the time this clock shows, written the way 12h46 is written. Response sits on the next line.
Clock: 2h22
